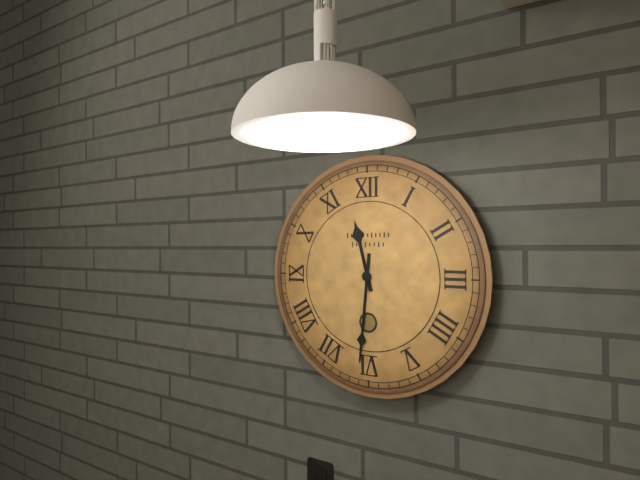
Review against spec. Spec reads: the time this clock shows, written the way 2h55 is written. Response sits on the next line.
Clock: 11h31
